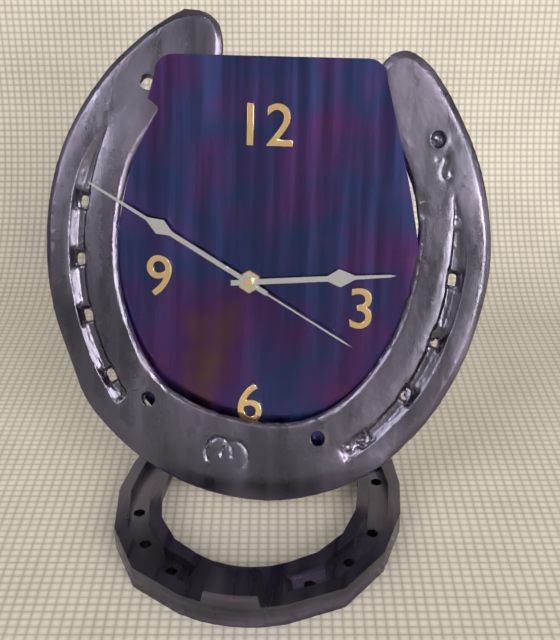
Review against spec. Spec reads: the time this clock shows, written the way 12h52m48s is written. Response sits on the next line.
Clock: 2h50m20s
